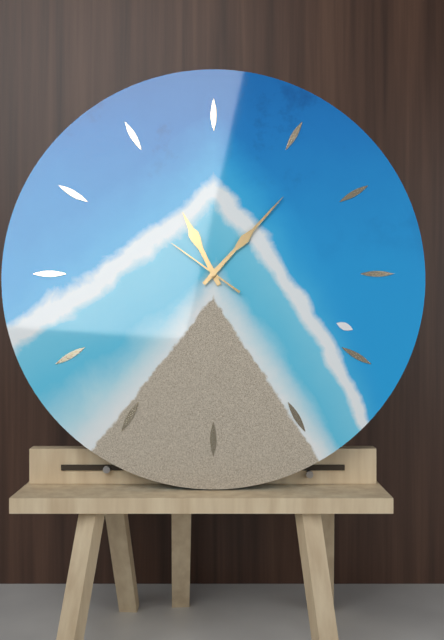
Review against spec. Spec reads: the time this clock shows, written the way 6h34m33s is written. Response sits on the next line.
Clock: 11h07m51s
